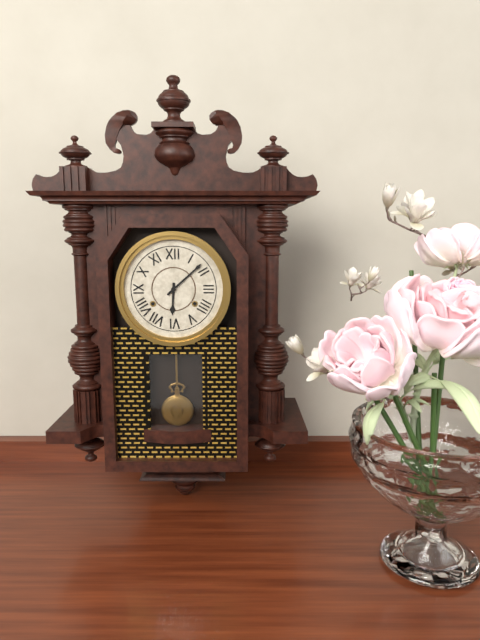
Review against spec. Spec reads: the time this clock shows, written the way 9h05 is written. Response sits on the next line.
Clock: 6h08
